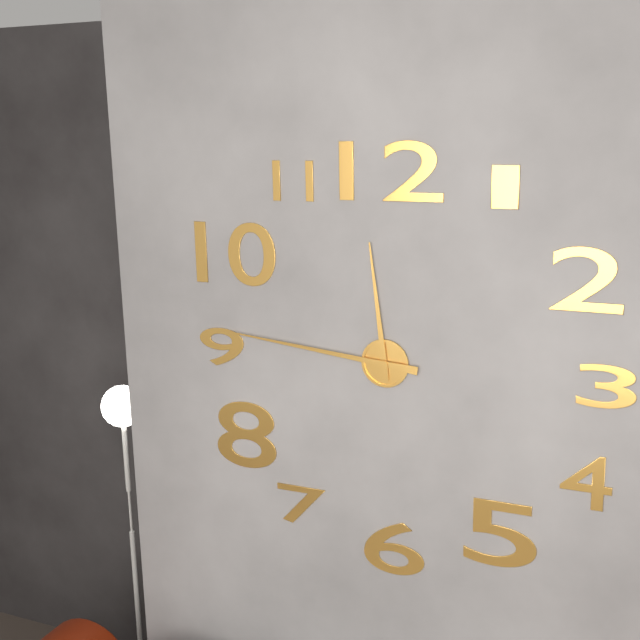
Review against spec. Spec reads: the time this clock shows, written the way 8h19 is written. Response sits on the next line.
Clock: 11h46
